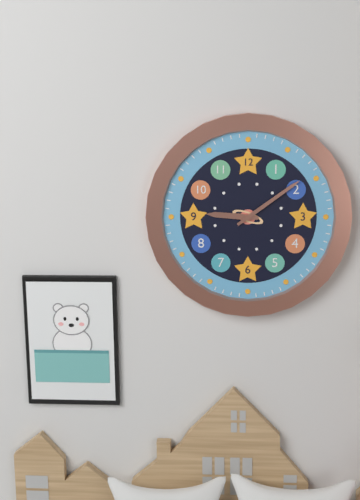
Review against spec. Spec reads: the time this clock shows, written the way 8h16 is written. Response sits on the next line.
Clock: 9h09
